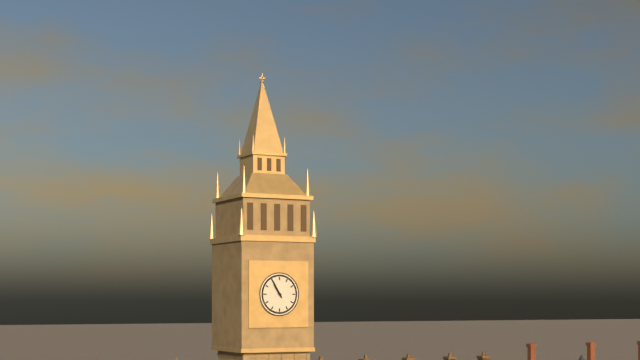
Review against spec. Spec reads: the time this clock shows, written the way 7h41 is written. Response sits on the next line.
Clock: 10h55
